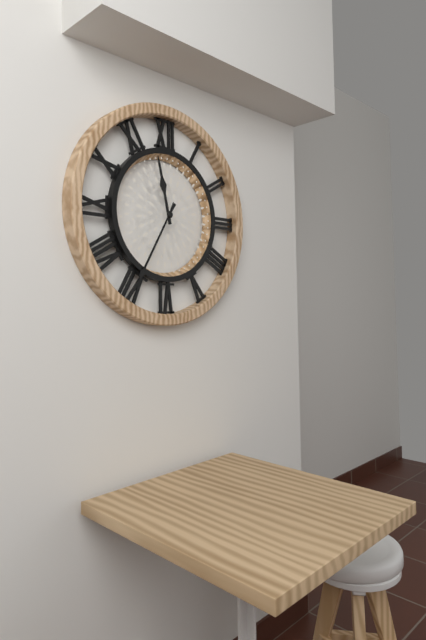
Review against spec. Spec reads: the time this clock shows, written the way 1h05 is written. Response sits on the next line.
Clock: 11h35
